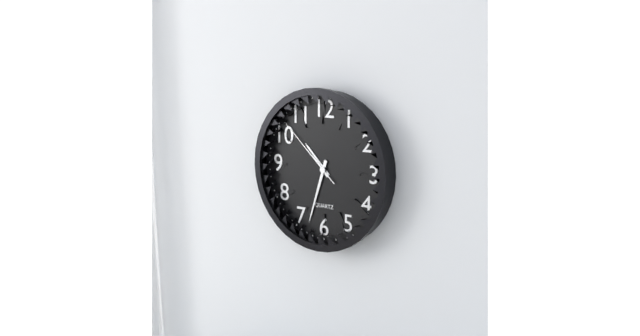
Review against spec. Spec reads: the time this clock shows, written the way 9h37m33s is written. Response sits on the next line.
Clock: 10h33m52s
